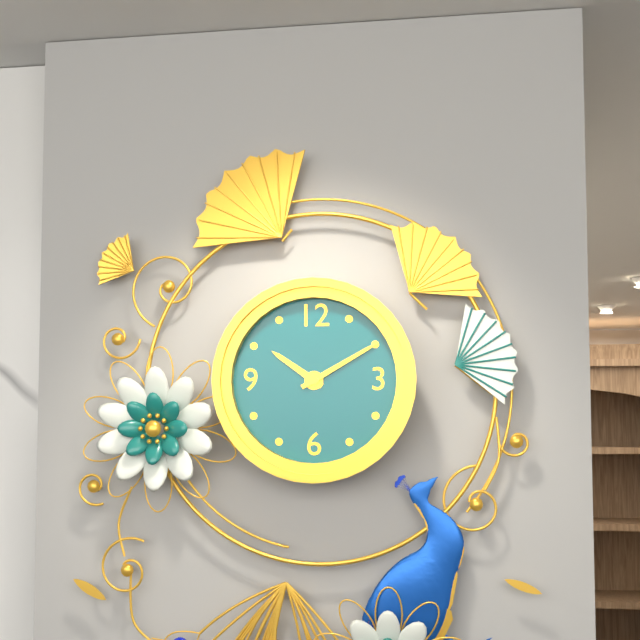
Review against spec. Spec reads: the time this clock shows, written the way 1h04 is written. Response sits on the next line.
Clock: 10h10
